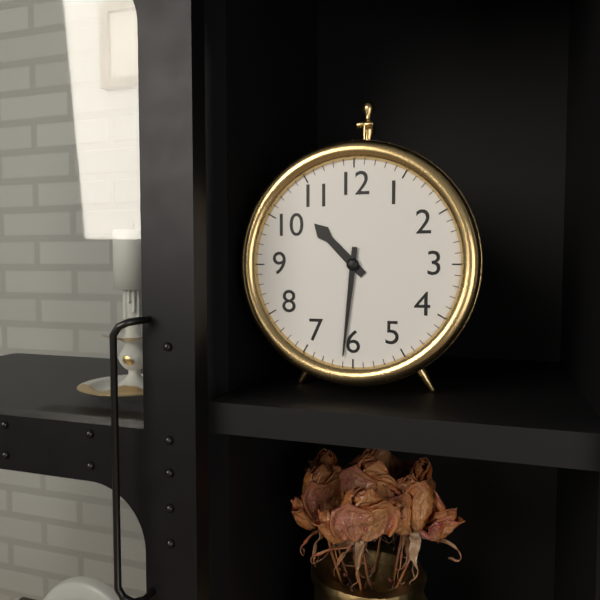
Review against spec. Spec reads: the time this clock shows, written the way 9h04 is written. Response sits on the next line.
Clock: 10h31
